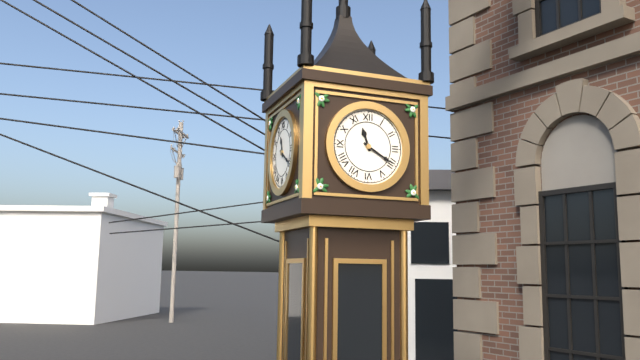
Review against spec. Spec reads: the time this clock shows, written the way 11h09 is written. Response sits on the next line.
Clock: 11h20
